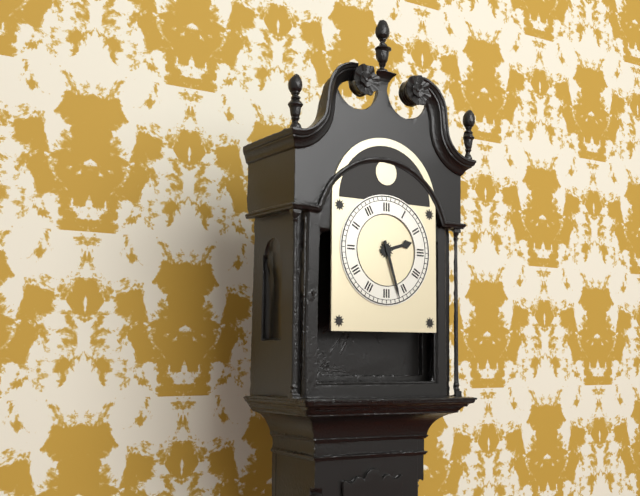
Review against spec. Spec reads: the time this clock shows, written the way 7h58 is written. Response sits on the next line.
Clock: 2h27
